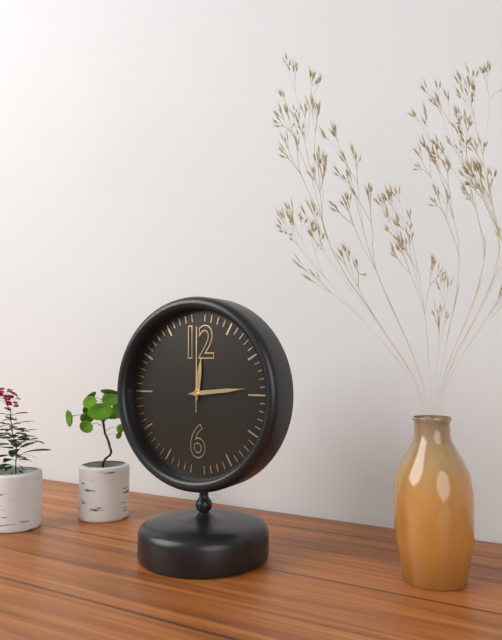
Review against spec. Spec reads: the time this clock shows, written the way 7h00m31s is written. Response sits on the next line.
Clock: 12h14m00s
